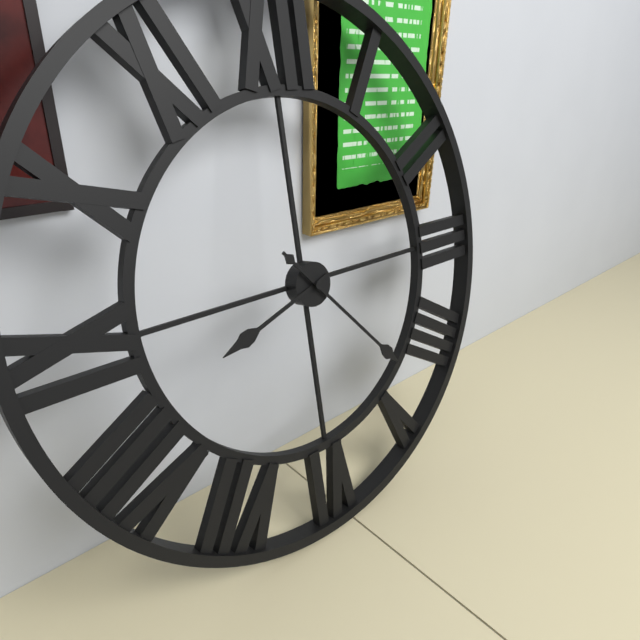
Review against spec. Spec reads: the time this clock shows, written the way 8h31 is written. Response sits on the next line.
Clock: 8h23
